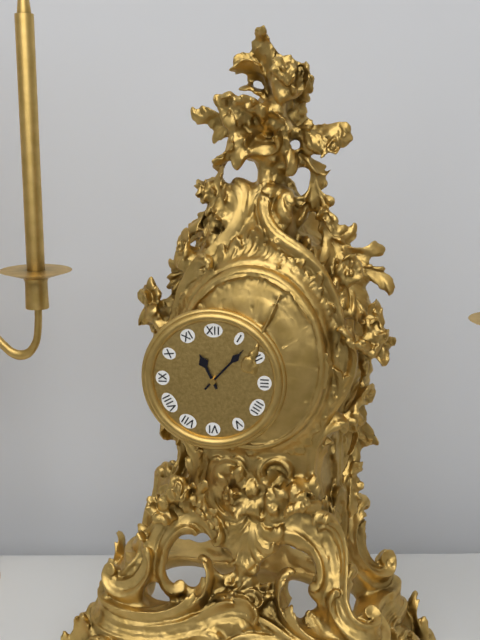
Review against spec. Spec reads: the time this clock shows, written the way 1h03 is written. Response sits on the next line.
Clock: 11h07
